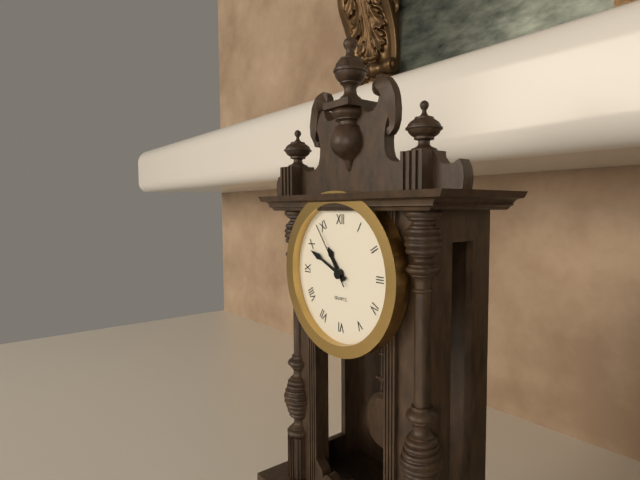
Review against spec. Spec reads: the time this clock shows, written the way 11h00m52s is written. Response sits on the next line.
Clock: 10h49m54s
